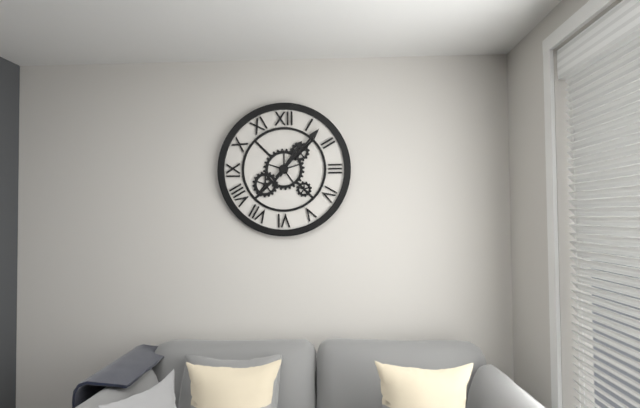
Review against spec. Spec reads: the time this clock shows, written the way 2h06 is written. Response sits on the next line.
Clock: 1h07
